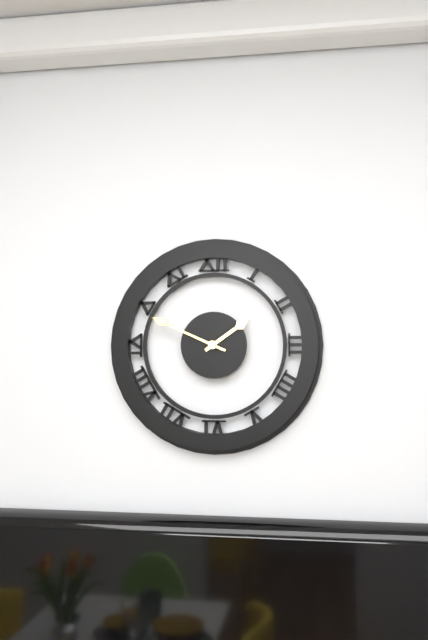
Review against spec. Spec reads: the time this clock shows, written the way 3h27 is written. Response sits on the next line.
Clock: 1h49
